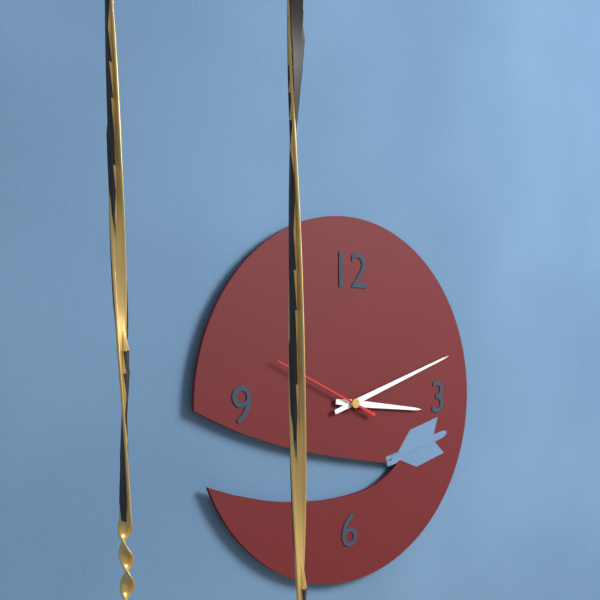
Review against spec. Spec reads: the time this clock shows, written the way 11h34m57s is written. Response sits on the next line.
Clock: 3h12m49s
